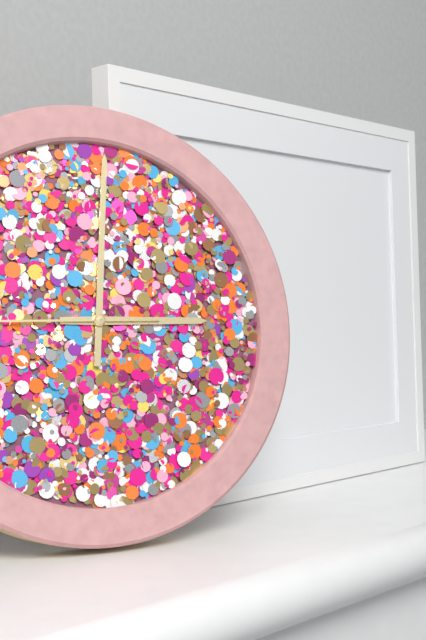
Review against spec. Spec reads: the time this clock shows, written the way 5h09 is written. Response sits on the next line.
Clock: 3h01
